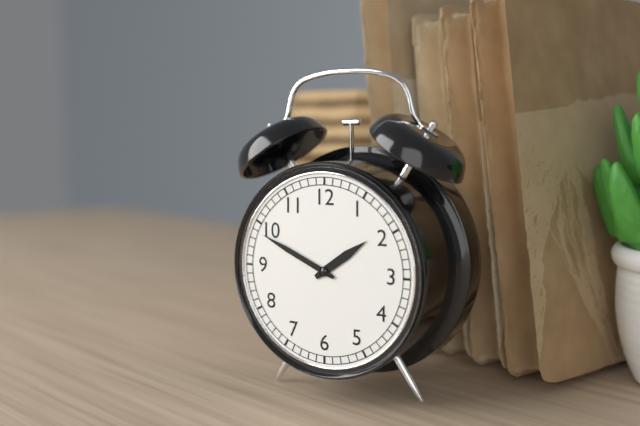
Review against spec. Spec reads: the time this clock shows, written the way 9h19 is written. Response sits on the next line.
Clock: 1h49
